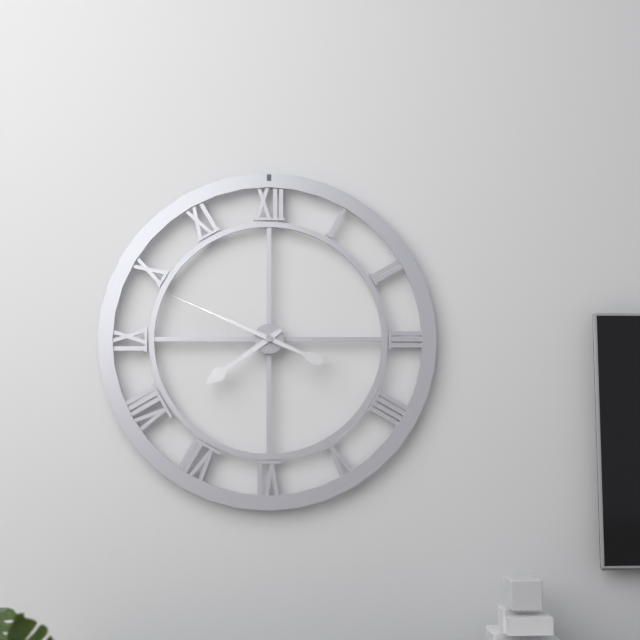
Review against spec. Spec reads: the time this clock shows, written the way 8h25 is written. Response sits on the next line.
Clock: 7h49
